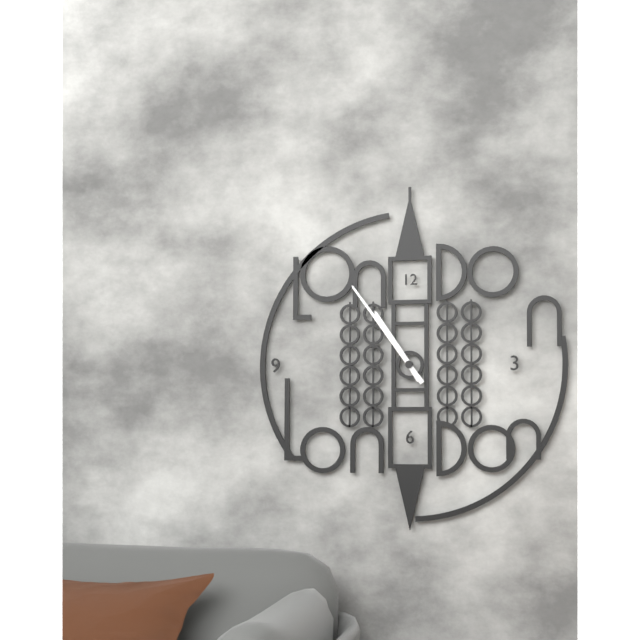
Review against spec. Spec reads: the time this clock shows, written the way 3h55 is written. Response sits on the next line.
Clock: 10h54
